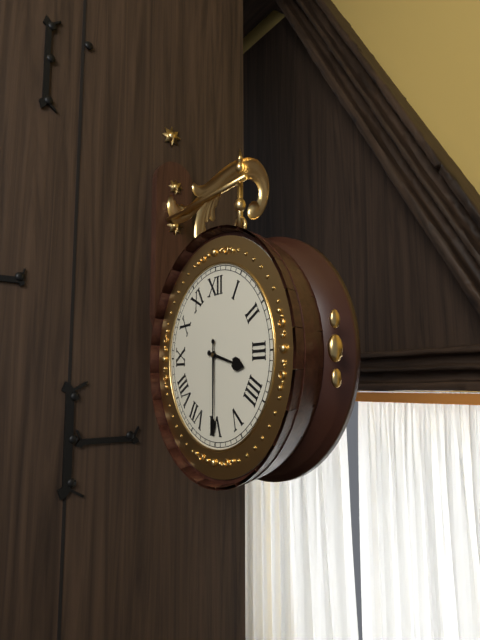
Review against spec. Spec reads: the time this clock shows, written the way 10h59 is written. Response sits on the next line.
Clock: 3h30
